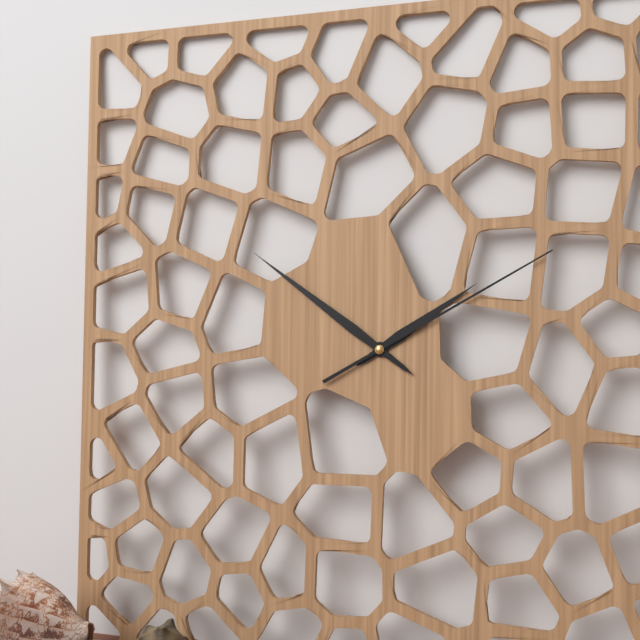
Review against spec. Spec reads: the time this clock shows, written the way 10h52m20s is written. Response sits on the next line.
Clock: 1h51m10s
